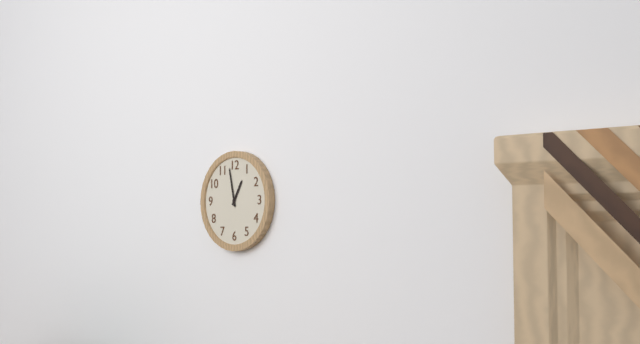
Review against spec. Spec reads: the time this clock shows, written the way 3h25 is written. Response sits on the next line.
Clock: 12h58
